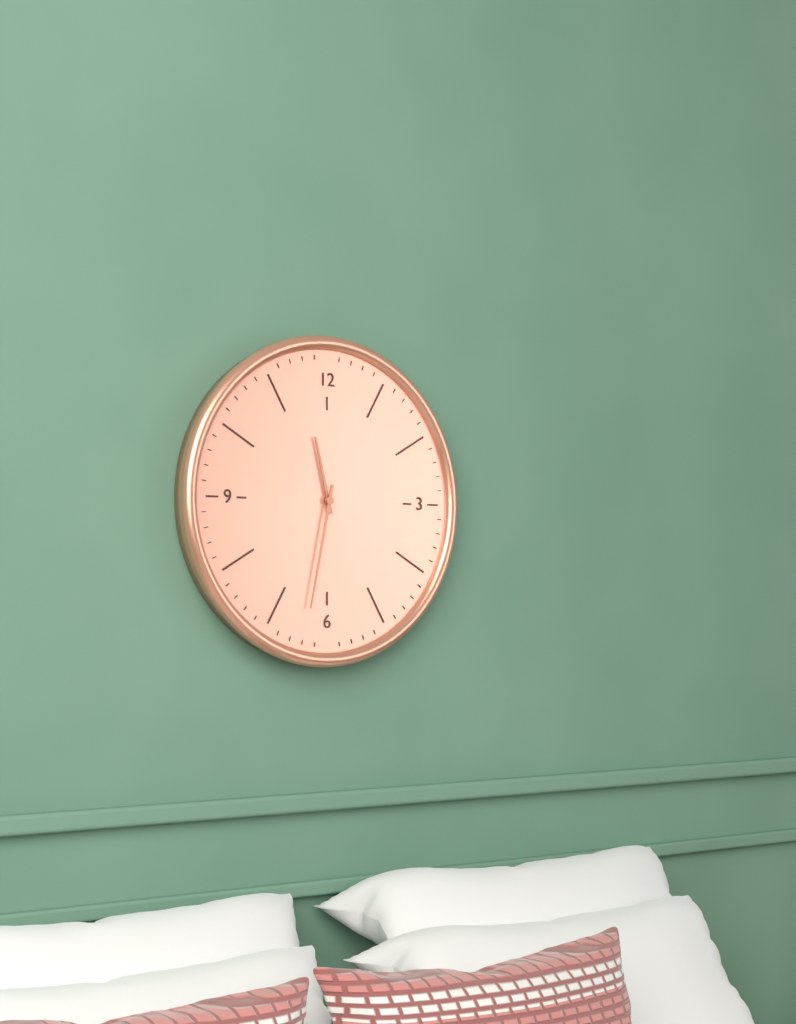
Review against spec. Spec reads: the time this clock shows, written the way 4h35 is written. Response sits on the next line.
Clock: 11h32
